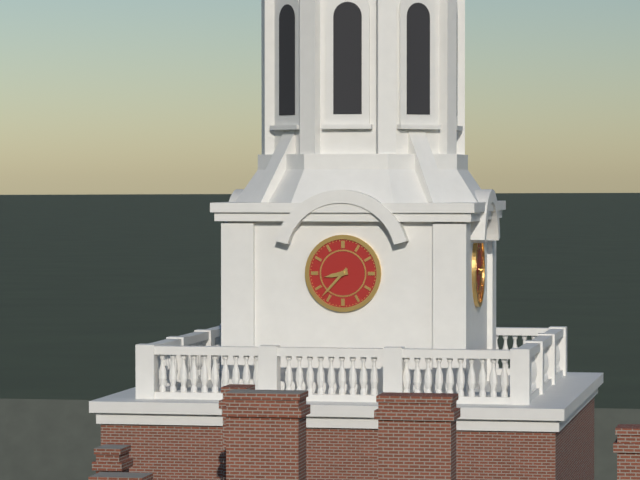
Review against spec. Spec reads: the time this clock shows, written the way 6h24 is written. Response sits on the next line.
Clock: 8h37
